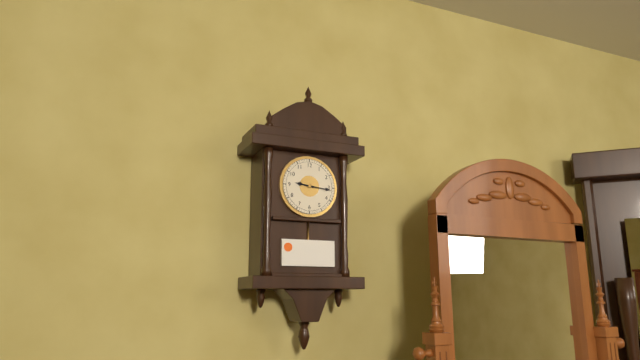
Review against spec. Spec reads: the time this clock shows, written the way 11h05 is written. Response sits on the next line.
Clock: 9h16
